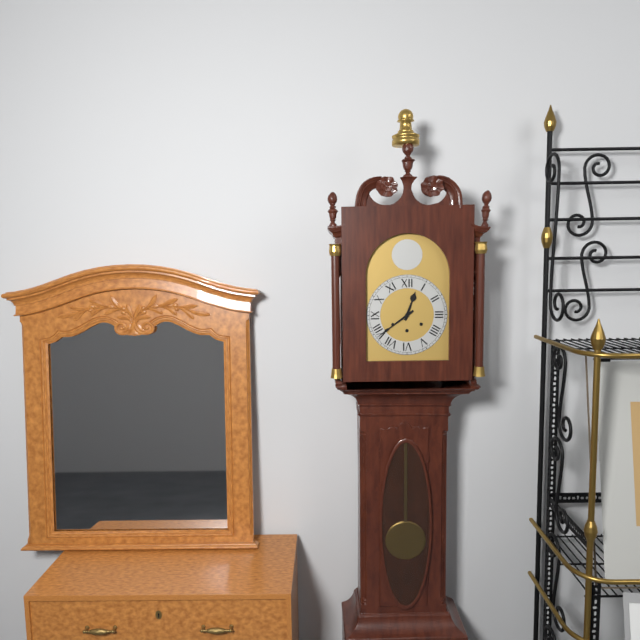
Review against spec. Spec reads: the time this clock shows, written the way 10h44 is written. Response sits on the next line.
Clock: 12h39
